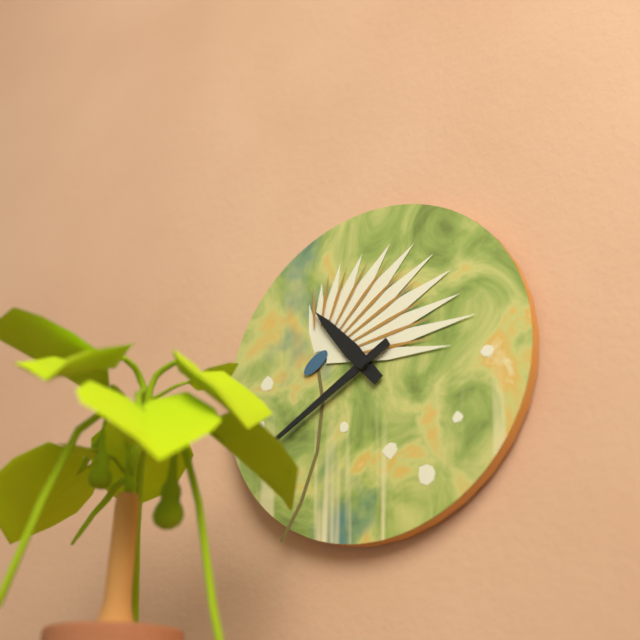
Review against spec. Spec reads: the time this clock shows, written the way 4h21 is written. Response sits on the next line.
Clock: 10h40
